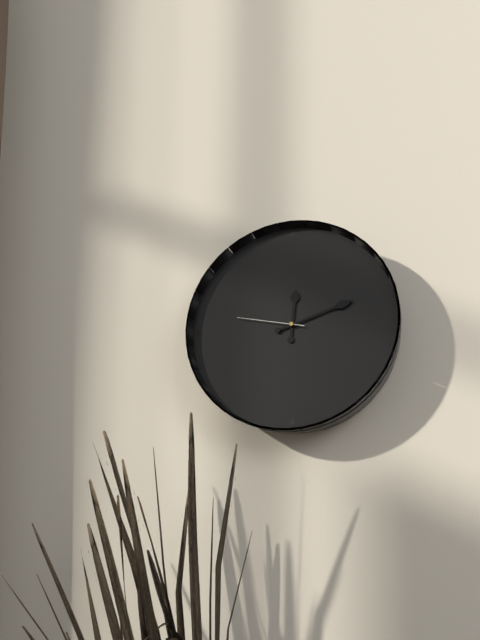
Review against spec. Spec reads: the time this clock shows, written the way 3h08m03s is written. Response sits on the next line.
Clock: 12h12m47s
